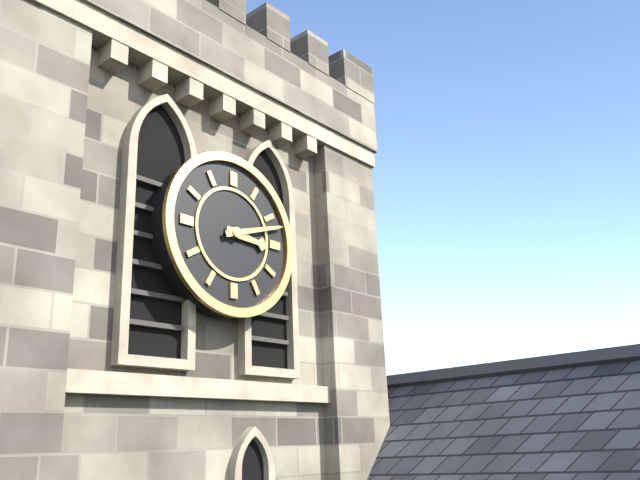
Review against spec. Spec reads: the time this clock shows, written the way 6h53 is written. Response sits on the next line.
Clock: 3h12
